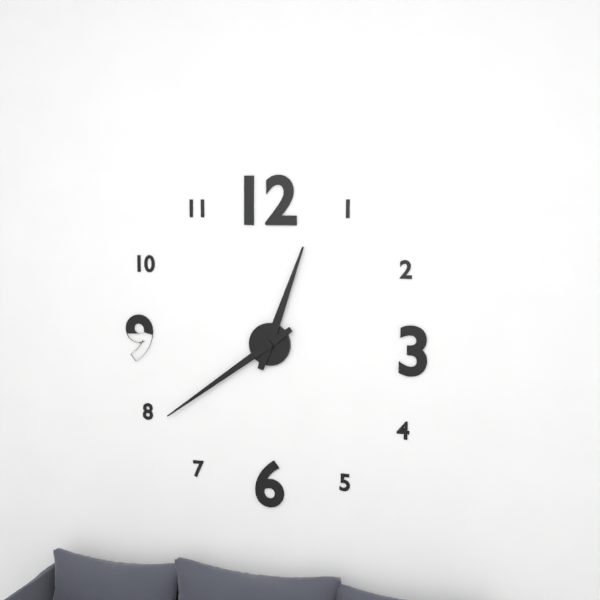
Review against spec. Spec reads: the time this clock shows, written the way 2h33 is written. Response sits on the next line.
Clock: 12h39
